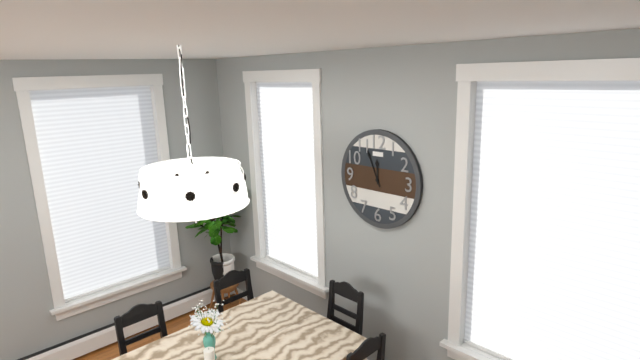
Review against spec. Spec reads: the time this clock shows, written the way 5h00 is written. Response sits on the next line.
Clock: 11h56
